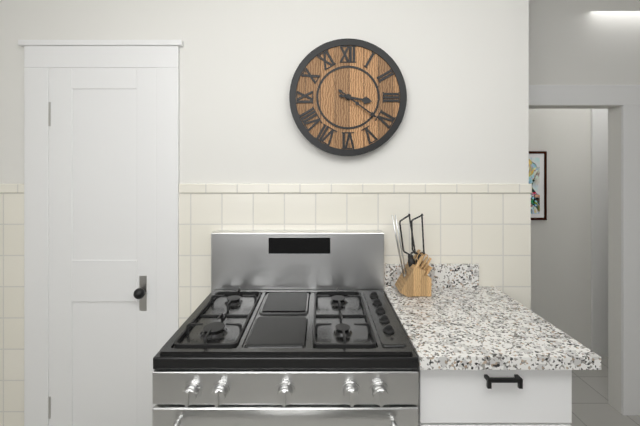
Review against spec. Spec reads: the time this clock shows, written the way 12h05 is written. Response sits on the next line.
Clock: 3h21
